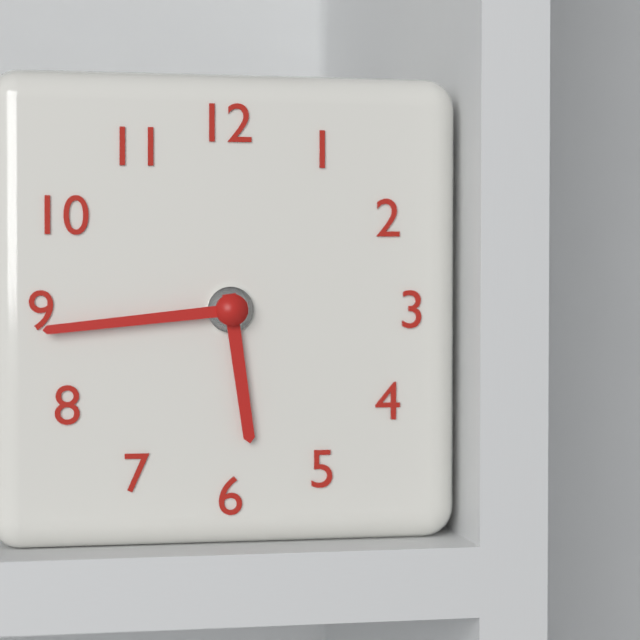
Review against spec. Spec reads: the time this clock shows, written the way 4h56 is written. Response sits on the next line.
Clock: 5h44
